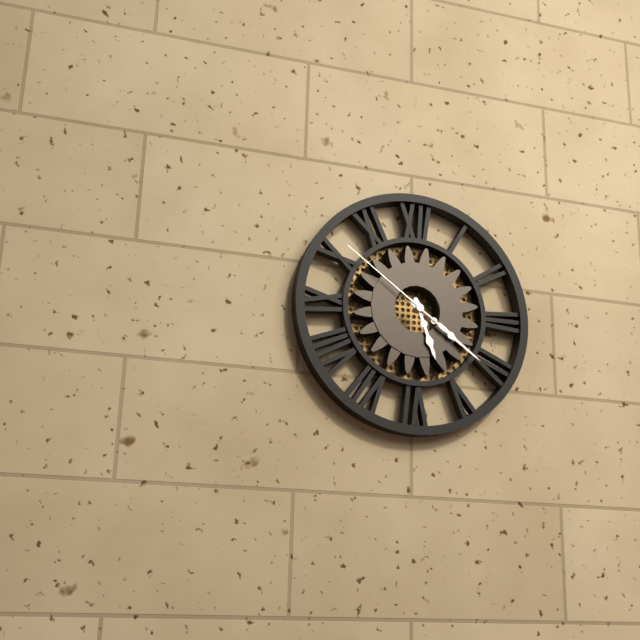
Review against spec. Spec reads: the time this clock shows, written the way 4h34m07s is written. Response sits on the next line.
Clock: 5h21m51s
